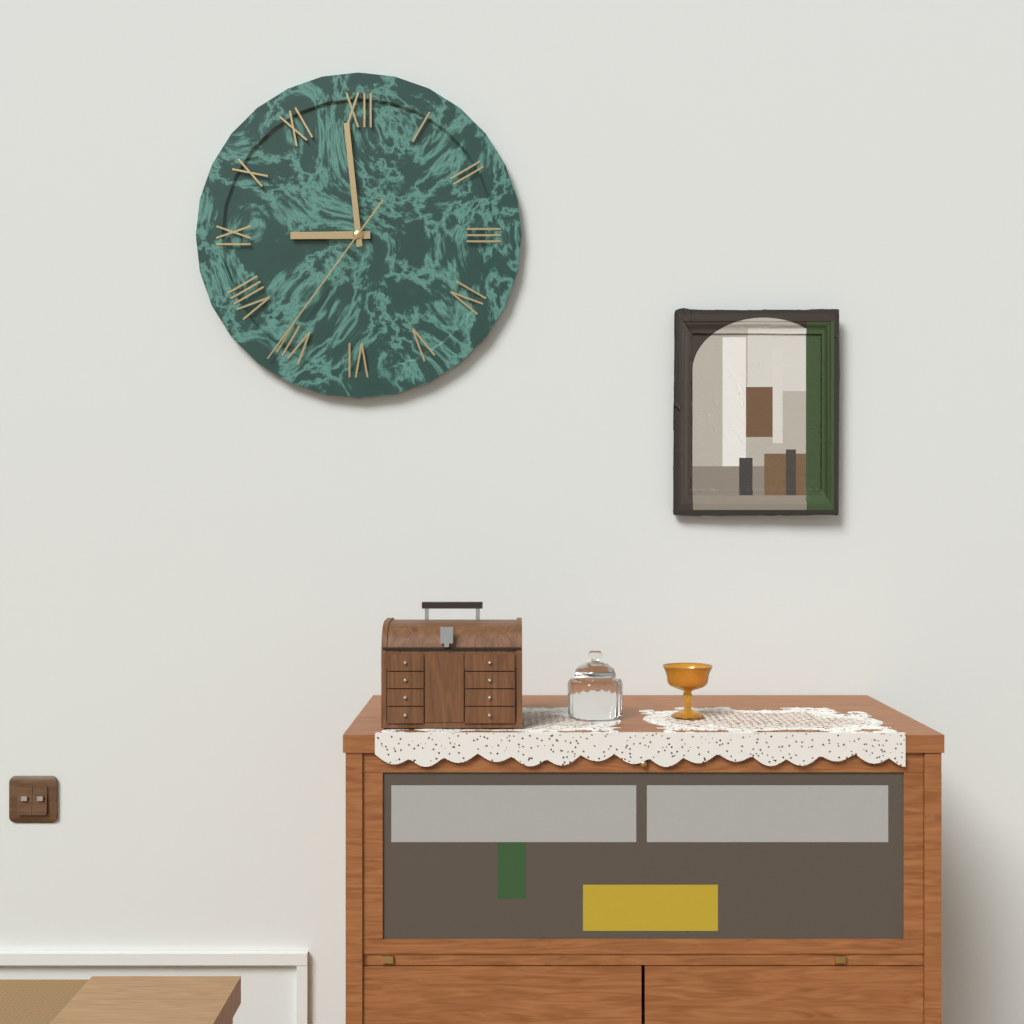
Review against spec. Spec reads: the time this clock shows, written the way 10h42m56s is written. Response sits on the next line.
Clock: 8h59m36s
